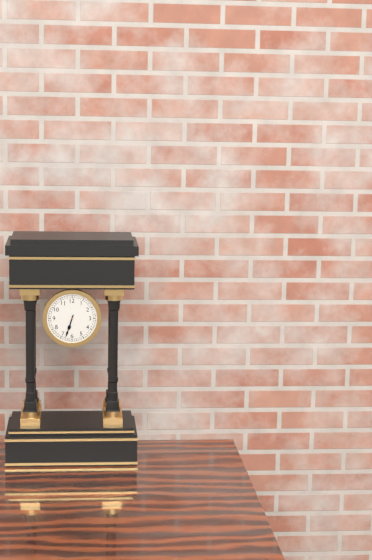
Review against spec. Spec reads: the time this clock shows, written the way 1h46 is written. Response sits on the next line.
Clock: 6h33
